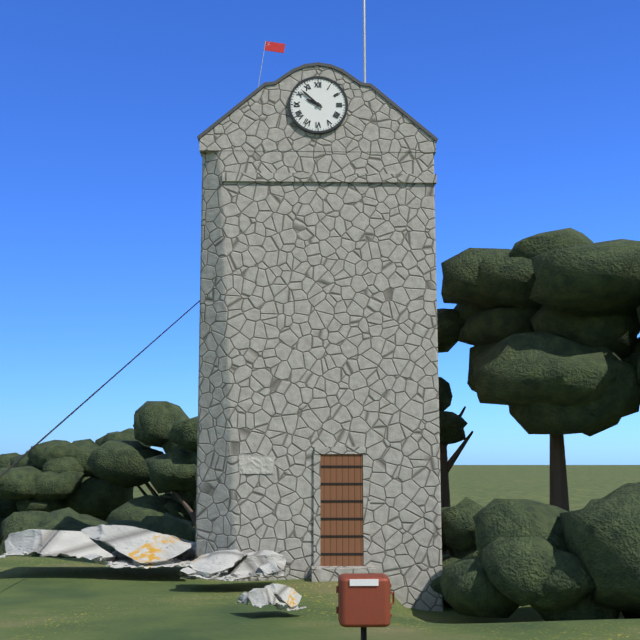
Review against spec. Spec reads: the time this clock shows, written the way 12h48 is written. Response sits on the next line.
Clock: 9h52
